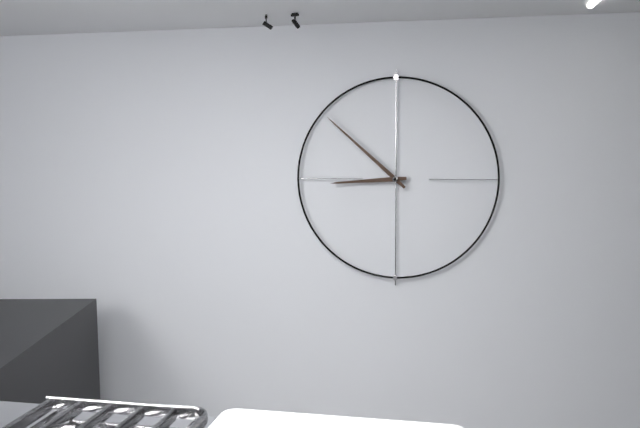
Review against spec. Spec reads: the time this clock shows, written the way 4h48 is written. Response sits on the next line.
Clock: 8h52
